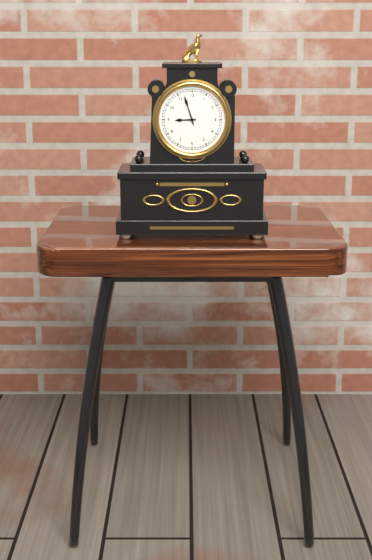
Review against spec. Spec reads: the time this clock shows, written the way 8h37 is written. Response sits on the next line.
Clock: 8h57
